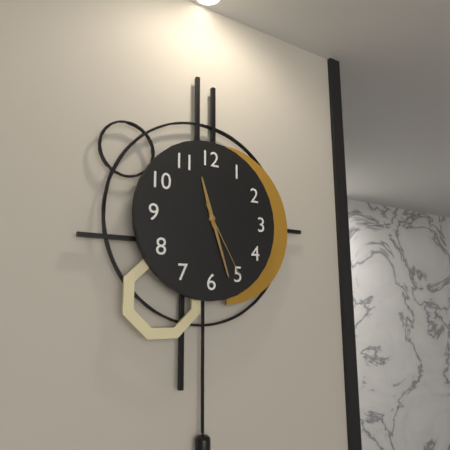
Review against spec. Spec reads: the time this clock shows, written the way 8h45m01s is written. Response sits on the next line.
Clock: 11h27m25s
